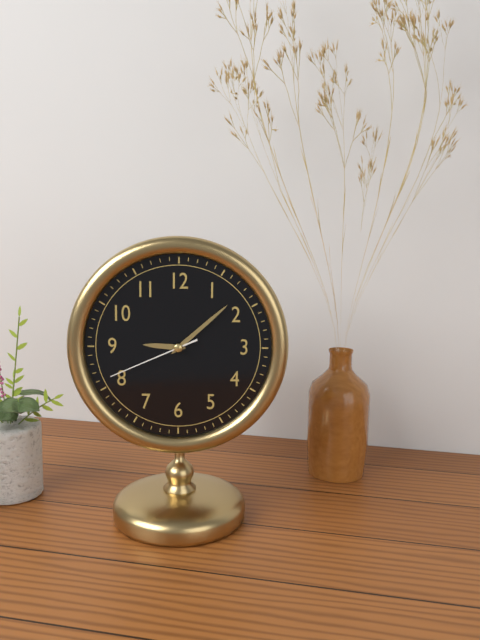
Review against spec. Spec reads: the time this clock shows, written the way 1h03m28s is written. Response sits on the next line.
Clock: 9h08m41s
